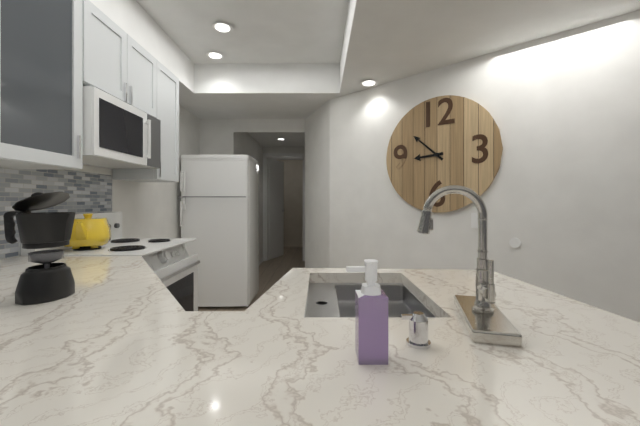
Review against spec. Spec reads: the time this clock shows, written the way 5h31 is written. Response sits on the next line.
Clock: 8h52
